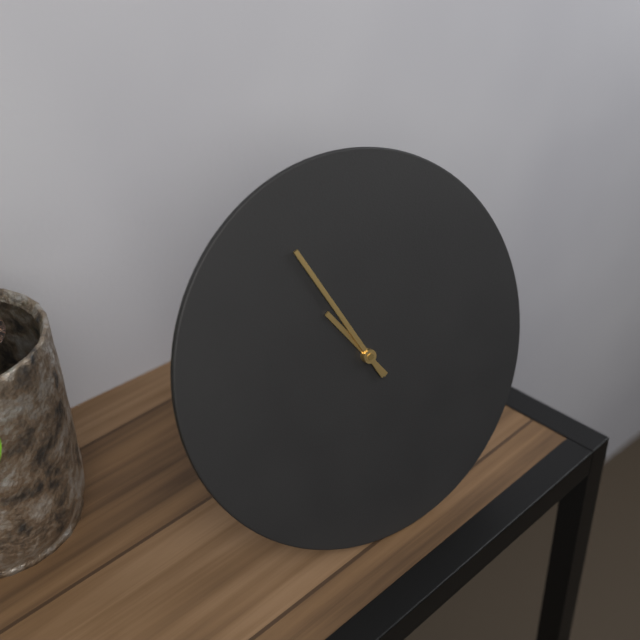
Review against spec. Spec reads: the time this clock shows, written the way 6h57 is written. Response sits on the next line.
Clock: 10h56
